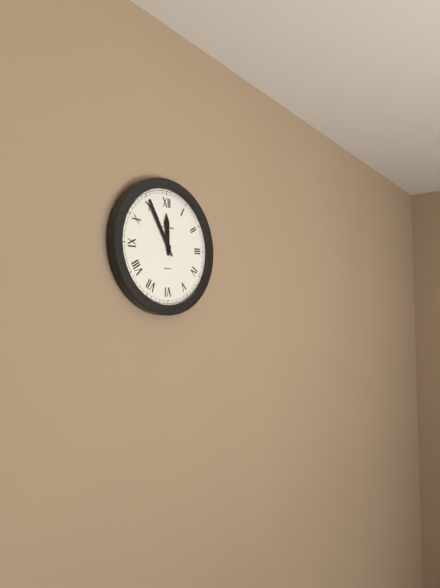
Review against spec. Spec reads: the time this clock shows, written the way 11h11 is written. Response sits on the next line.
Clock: 11h55
